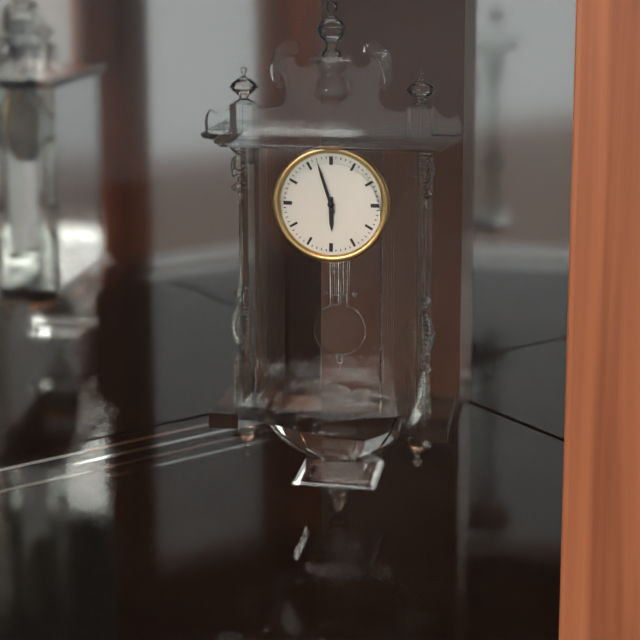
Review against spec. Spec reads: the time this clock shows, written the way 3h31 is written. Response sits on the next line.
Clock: 5h57
